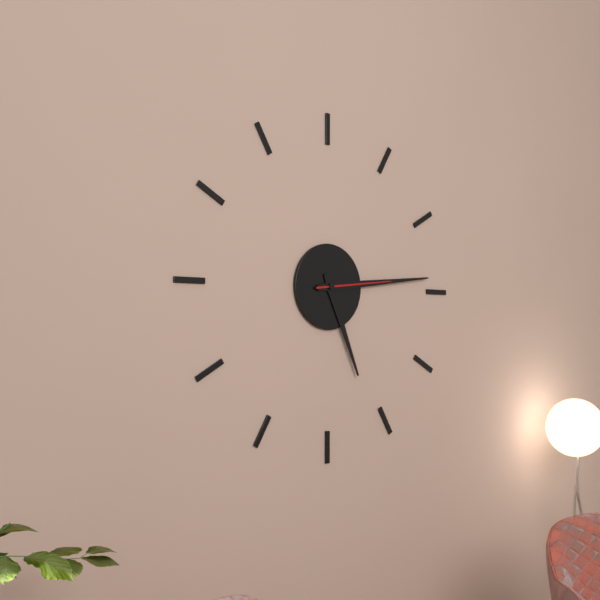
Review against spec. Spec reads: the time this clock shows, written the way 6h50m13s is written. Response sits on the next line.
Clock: 5h14m14s
